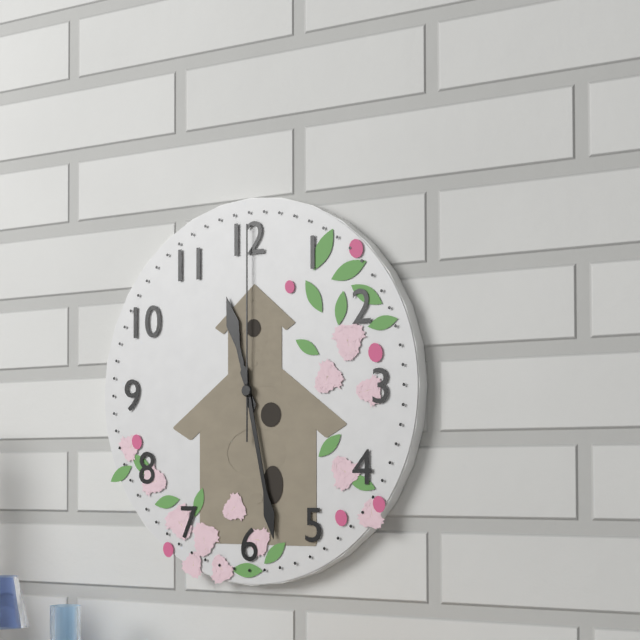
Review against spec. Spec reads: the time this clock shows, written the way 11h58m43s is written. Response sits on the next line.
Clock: 11h28m00s
